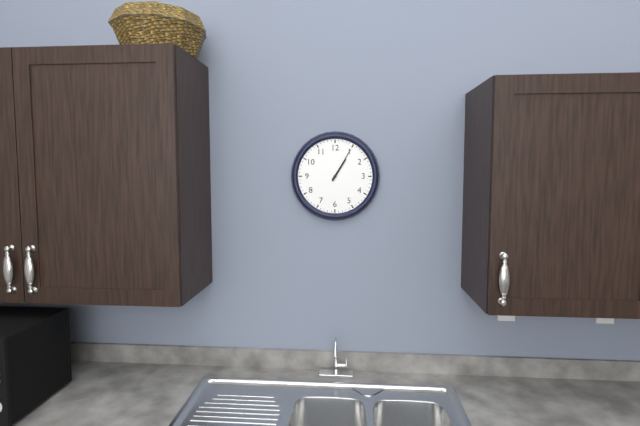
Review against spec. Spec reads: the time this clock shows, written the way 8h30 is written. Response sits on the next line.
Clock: 1h05
